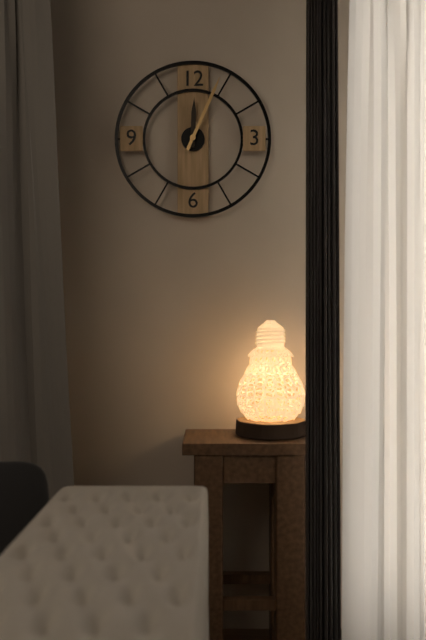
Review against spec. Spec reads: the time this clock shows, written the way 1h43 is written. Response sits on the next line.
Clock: 12h04
